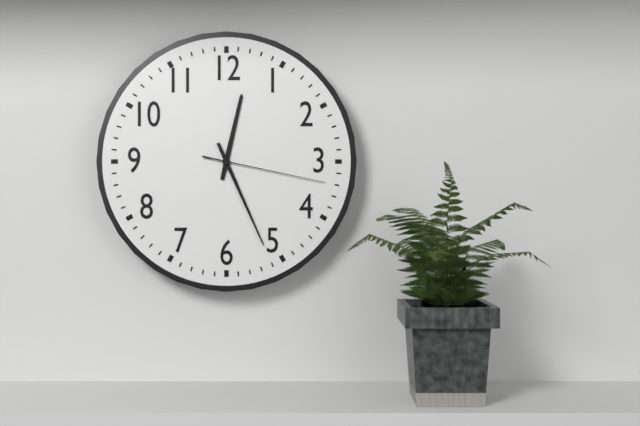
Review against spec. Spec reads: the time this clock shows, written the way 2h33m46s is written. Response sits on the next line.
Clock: 12h26m17s
